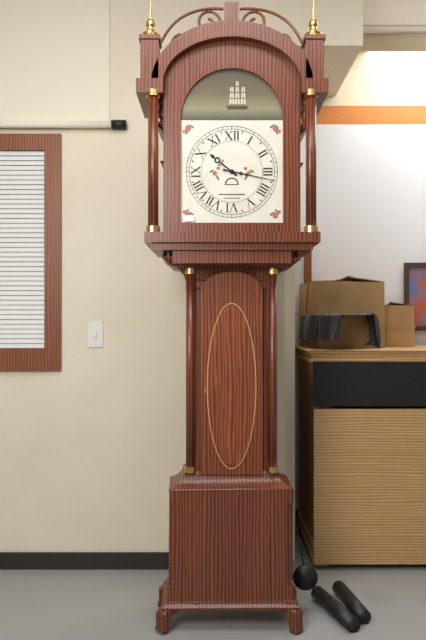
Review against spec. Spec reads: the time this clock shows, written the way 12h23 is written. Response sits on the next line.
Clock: 10h17
